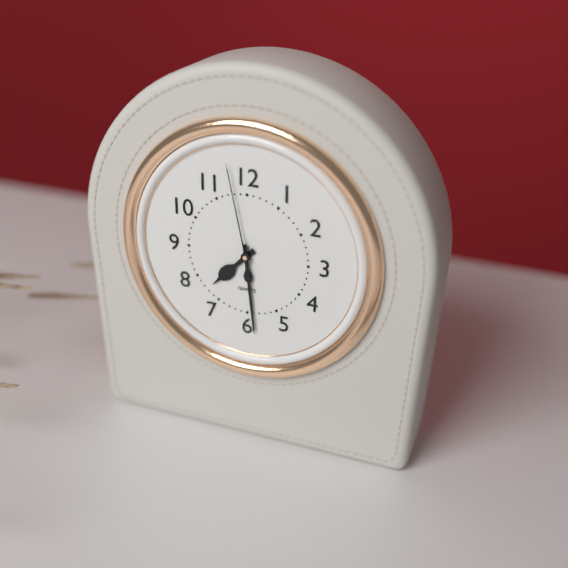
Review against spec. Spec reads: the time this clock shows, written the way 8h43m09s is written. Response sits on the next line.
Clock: 7h29m58s
